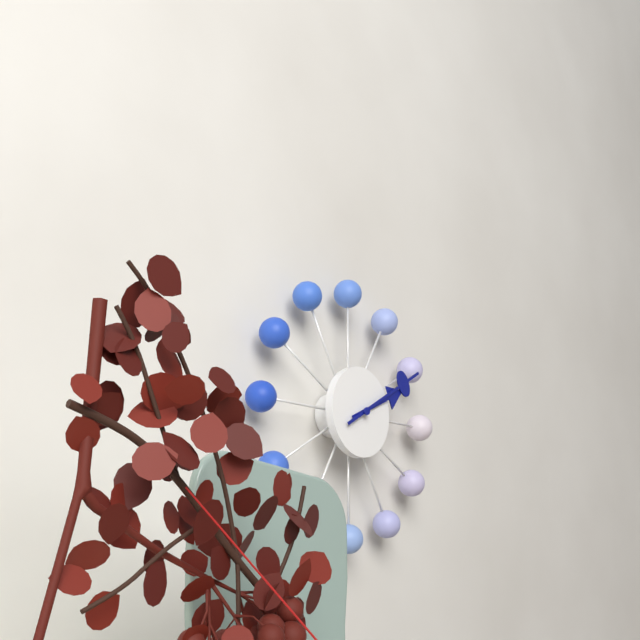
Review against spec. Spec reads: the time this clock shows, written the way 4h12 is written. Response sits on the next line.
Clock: 2h10
